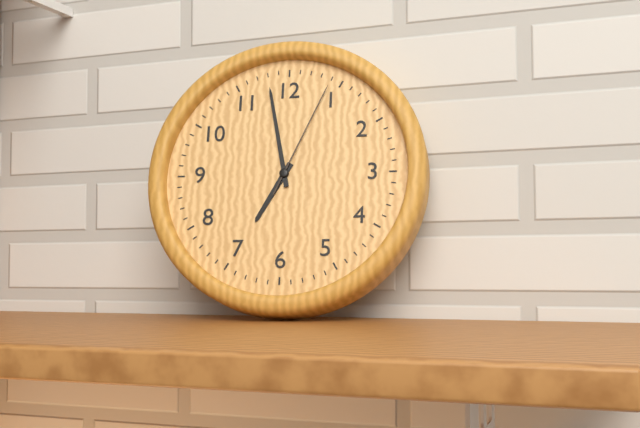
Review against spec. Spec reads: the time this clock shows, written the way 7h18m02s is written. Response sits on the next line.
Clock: 6h58m04s
